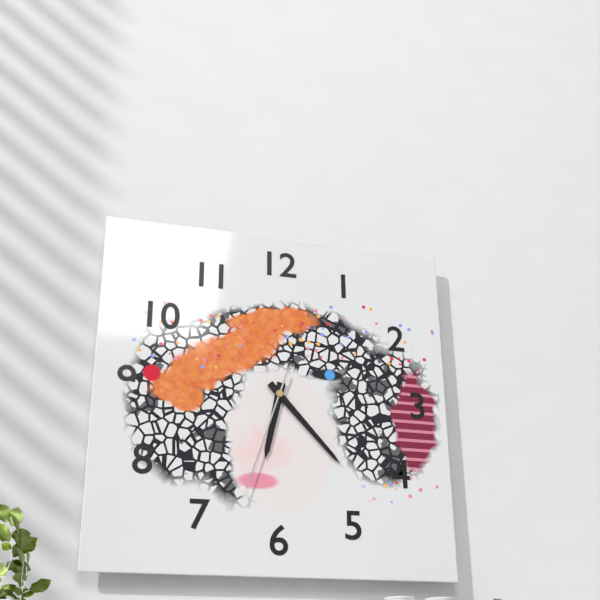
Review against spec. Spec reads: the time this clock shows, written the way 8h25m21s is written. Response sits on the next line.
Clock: 6h23m33s
